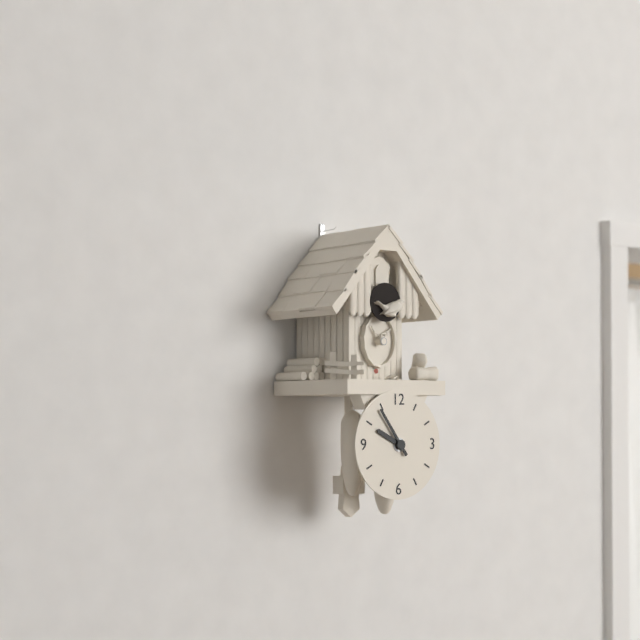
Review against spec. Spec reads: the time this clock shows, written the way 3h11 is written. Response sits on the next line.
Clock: 9h54
